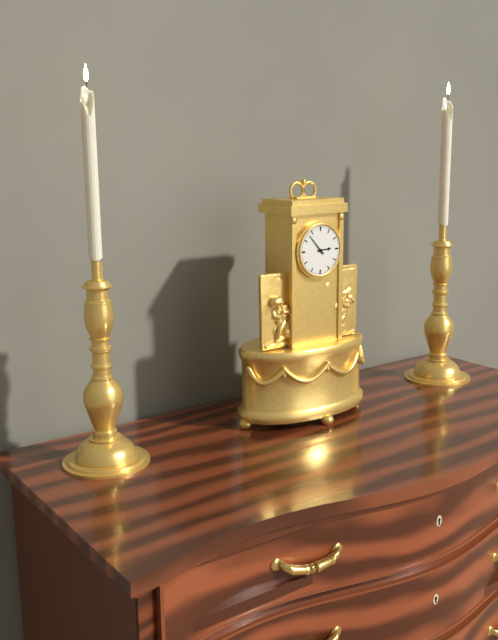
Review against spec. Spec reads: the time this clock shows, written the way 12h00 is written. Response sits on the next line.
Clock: 2h53
